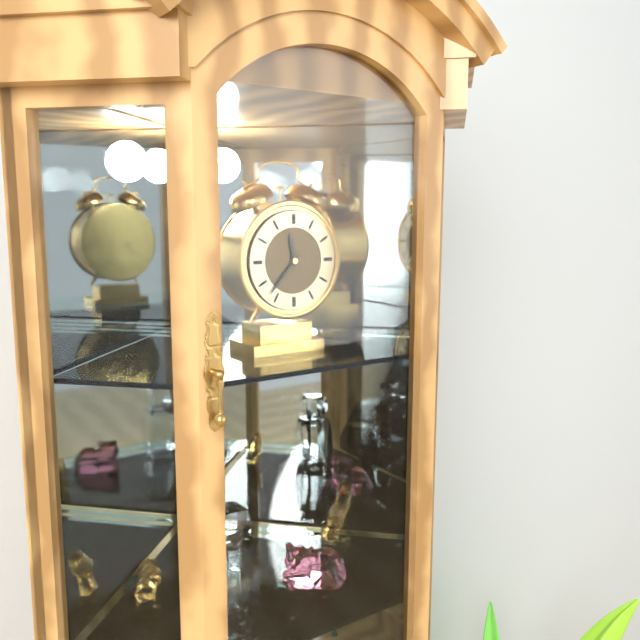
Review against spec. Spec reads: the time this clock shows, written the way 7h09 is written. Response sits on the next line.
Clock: 11h37
